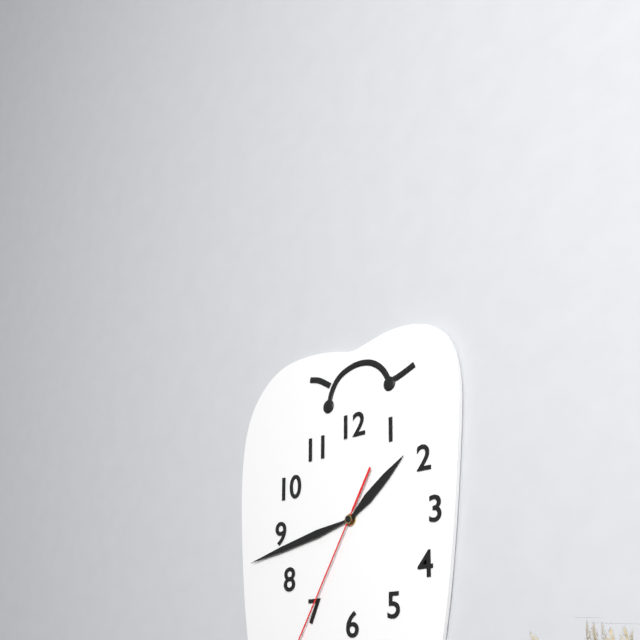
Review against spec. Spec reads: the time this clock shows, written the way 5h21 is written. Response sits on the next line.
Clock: 1h43
